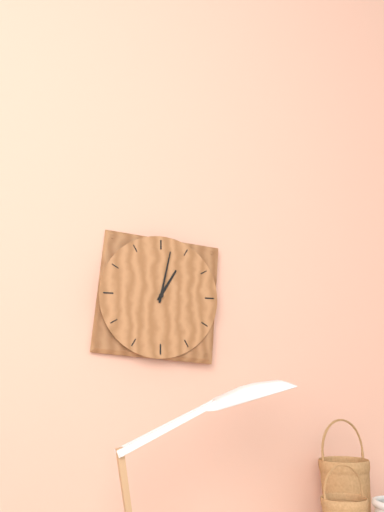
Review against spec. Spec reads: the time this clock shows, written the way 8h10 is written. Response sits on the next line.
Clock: 1h02
